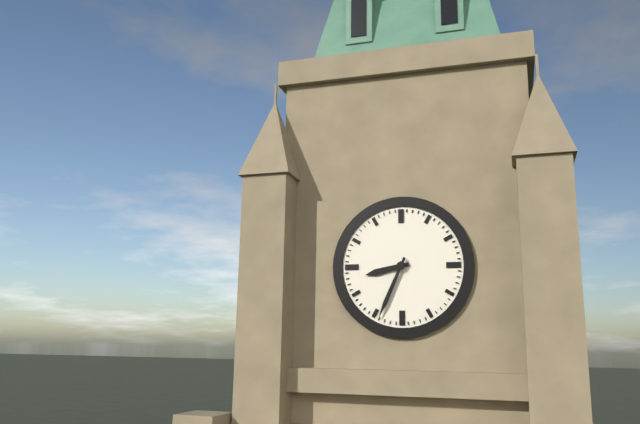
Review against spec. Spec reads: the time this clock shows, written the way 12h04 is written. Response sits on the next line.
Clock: 8h34
